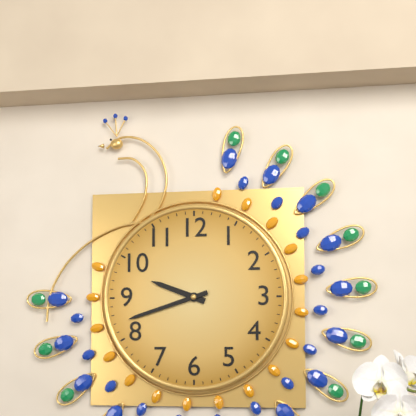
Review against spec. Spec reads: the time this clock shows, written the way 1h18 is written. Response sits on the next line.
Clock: 9h42
